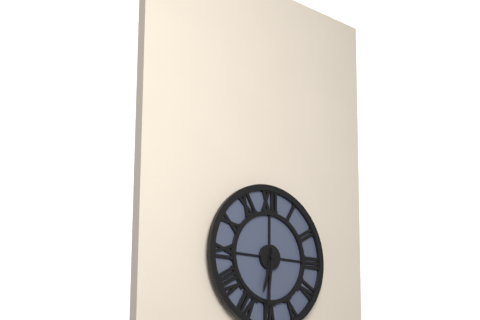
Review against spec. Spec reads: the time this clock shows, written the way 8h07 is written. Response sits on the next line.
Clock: 6h31
